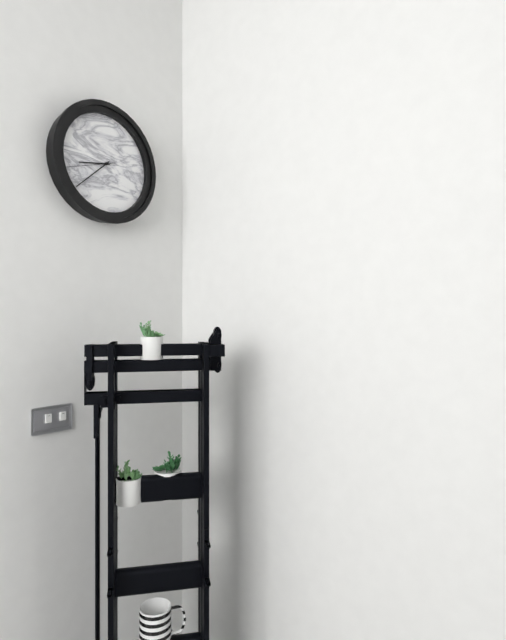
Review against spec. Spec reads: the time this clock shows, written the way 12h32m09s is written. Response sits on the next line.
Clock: 8h38m42s
